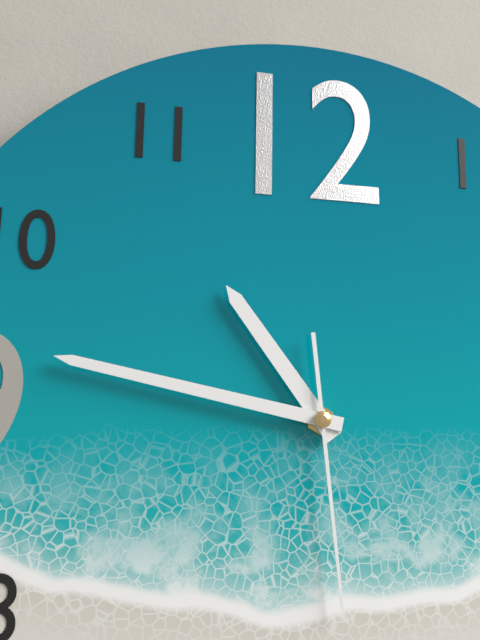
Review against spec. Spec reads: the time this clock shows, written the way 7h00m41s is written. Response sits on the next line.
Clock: 10h47m29s
